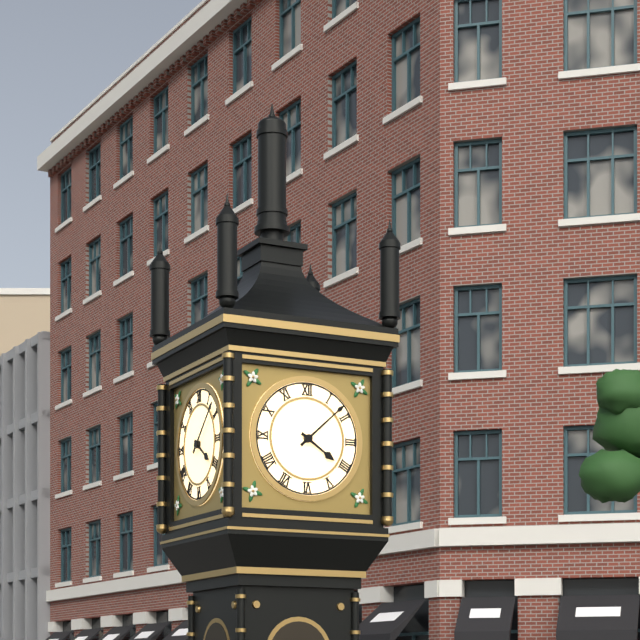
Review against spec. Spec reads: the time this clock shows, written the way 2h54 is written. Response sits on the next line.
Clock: 4h08
